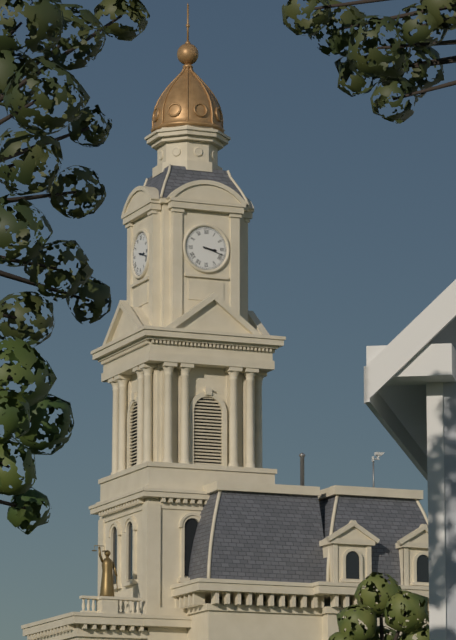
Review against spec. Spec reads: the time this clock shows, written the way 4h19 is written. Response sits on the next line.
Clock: 3h18
